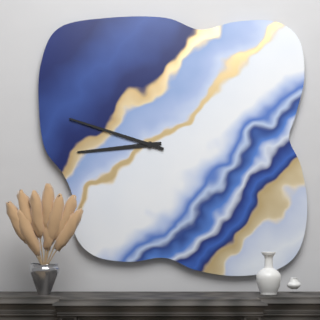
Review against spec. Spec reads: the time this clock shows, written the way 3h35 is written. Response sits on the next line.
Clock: 8h48
